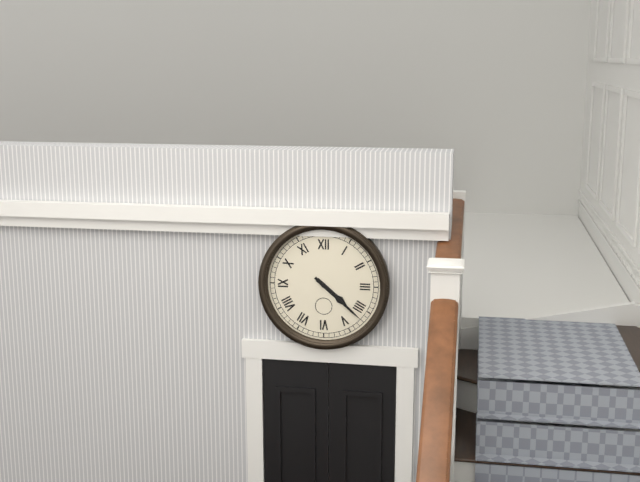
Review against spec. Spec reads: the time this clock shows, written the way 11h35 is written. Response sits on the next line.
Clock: 4h22
